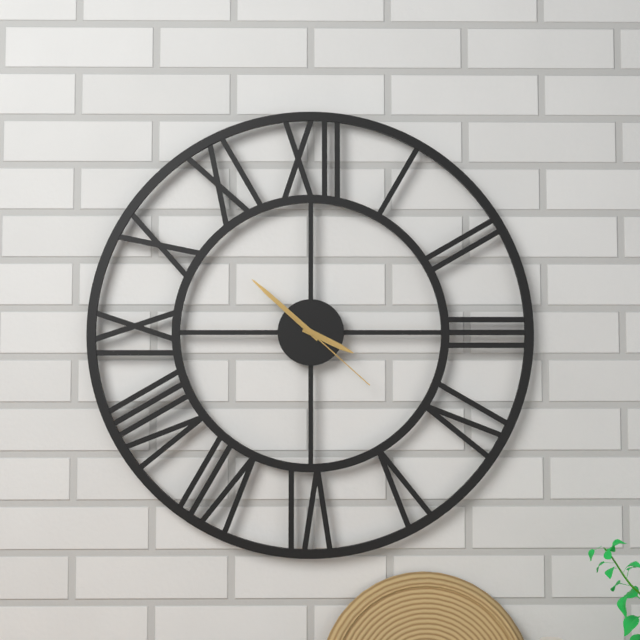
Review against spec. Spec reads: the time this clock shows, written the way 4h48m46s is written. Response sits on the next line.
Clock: 3h52m22s
